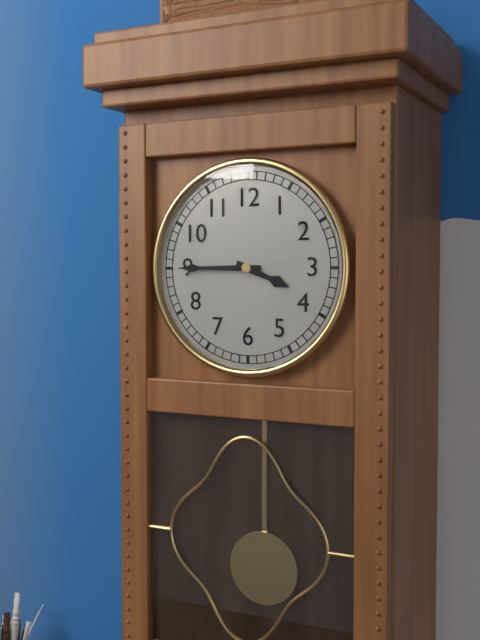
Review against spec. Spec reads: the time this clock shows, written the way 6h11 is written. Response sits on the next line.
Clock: 3h45
